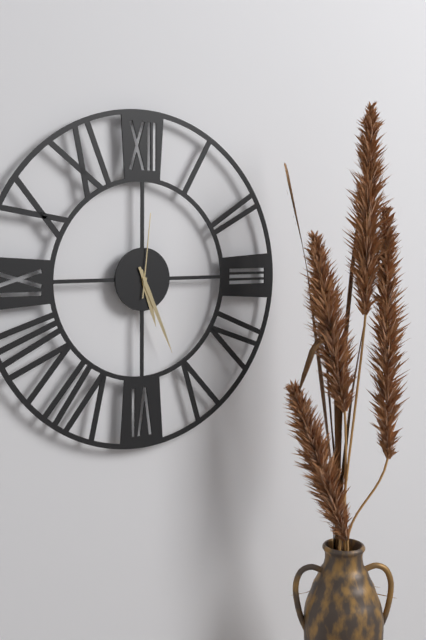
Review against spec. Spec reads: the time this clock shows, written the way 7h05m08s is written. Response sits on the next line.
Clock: 5h26m01s
